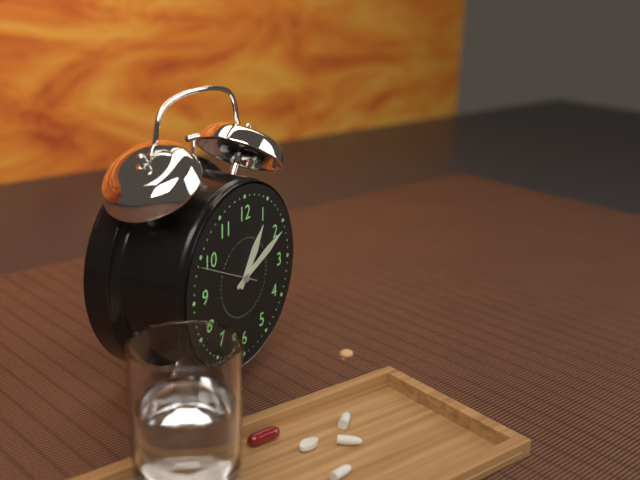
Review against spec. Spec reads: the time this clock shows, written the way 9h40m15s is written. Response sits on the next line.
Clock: 1h11m49s
